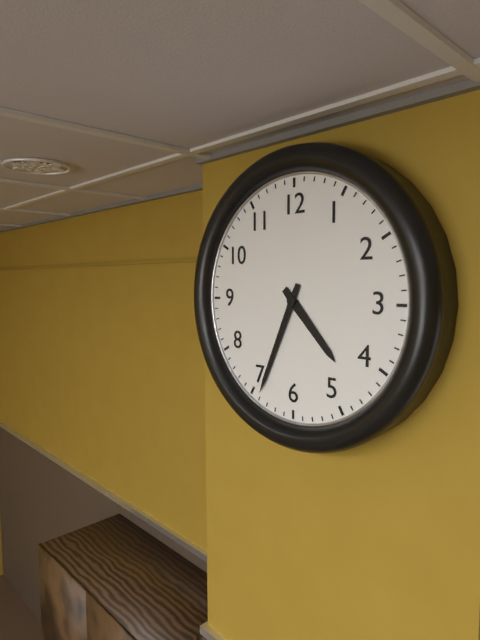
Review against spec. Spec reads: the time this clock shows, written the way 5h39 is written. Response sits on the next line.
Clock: 4h34
